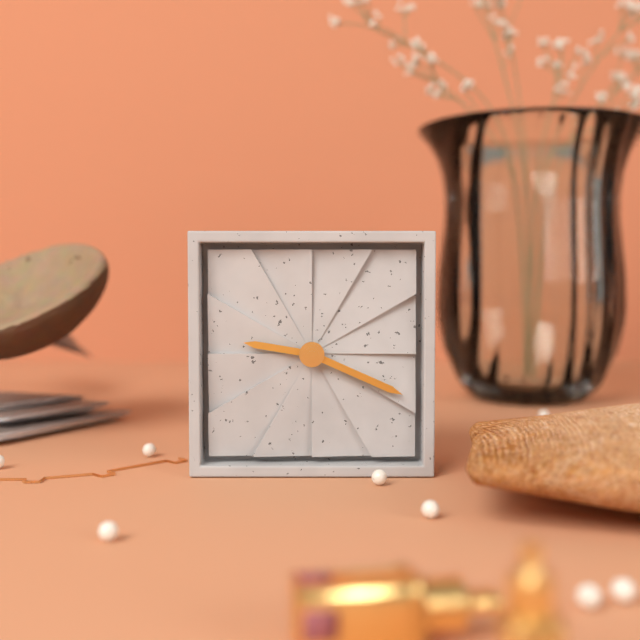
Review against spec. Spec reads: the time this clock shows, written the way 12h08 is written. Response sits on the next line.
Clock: 9h19
